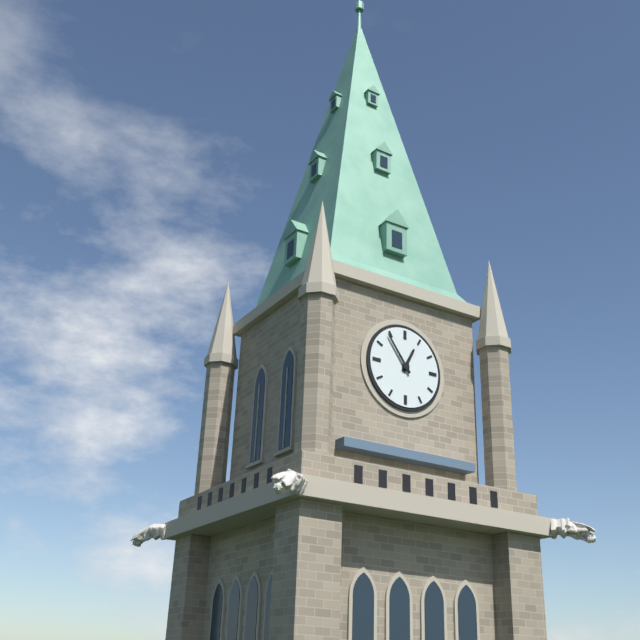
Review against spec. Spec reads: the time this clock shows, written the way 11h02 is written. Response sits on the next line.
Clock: 12h54
